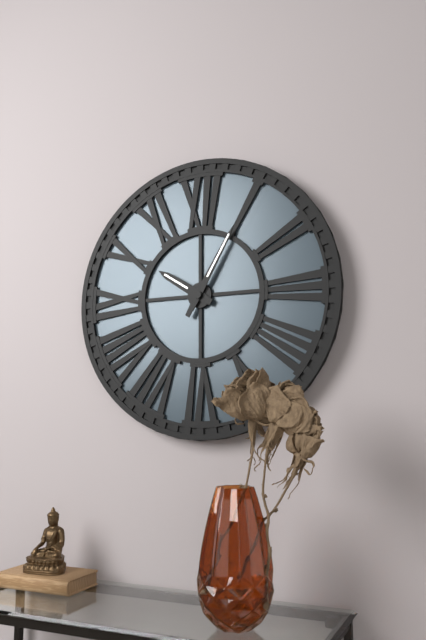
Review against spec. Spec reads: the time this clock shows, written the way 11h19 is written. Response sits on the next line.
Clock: 10h05
